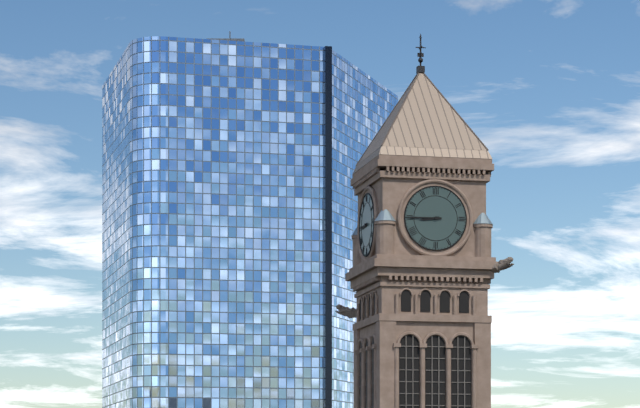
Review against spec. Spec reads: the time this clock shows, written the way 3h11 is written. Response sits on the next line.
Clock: 8h45
